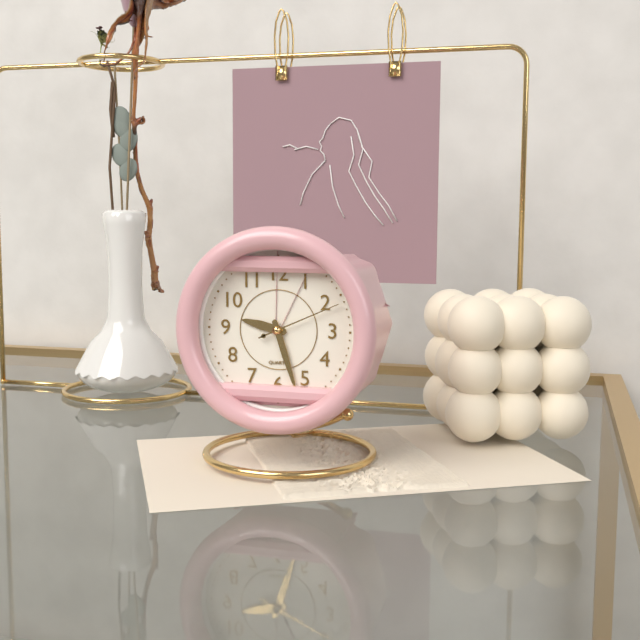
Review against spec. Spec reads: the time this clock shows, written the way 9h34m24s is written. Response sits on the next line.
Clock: 9h27m11s
